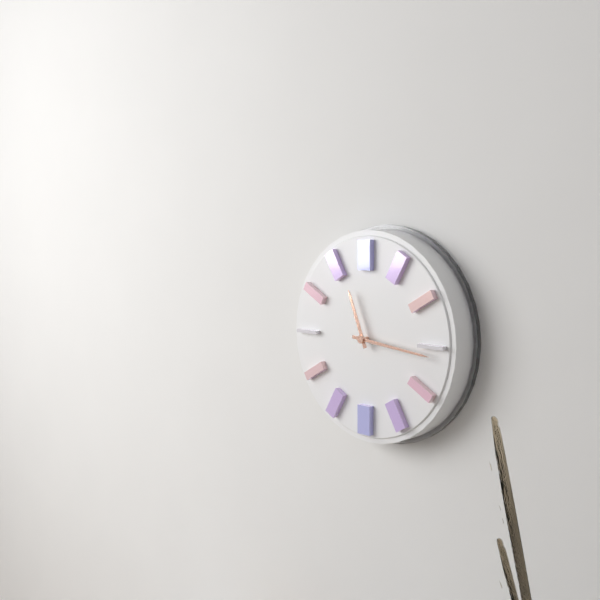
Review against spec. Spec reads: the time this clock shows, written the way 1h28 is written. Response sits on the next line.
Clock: 11h16
